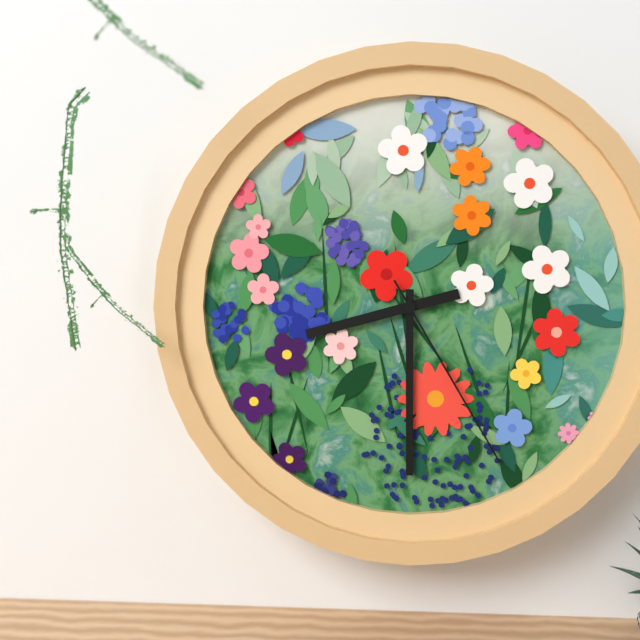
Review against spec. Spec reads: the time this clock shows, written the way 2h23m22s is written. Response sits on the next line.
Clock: 8h30m25s
